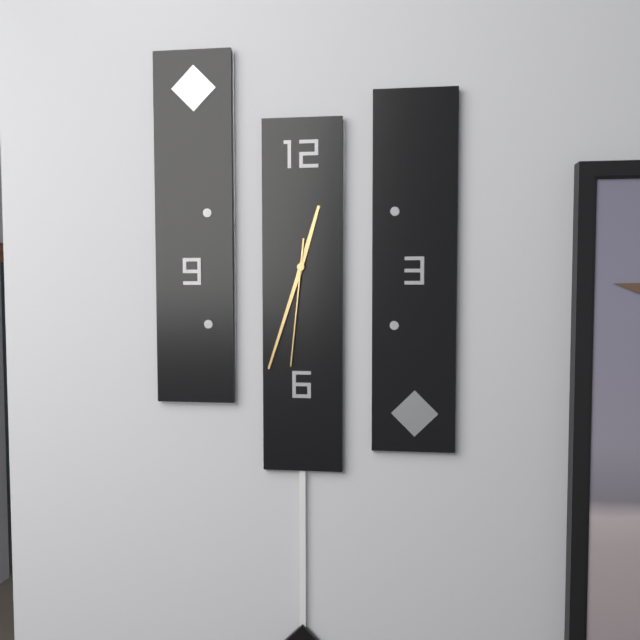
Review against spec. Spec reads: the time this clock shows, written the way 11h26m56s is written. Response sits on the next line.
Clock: 12h33m31s
